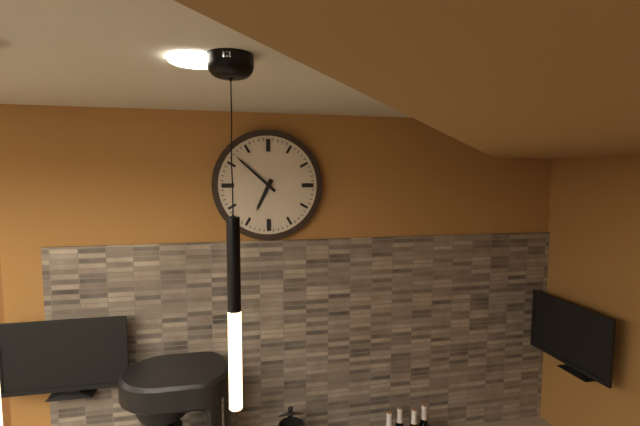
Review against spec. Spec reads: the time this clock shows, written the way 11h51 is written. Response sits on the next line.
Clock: 6h52
